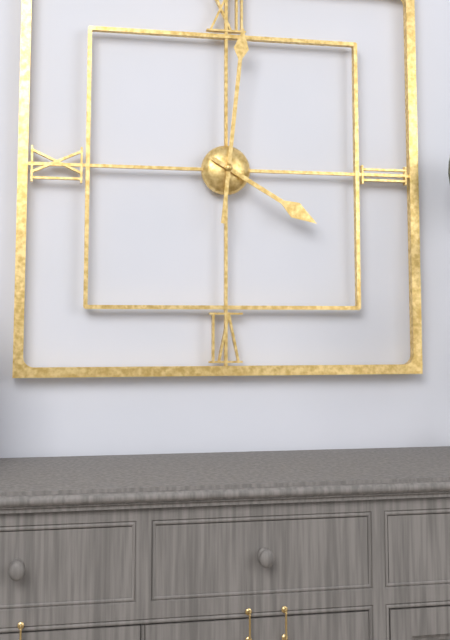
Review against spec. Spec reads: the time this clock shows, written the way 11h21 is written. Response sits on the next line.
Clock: 4h01
